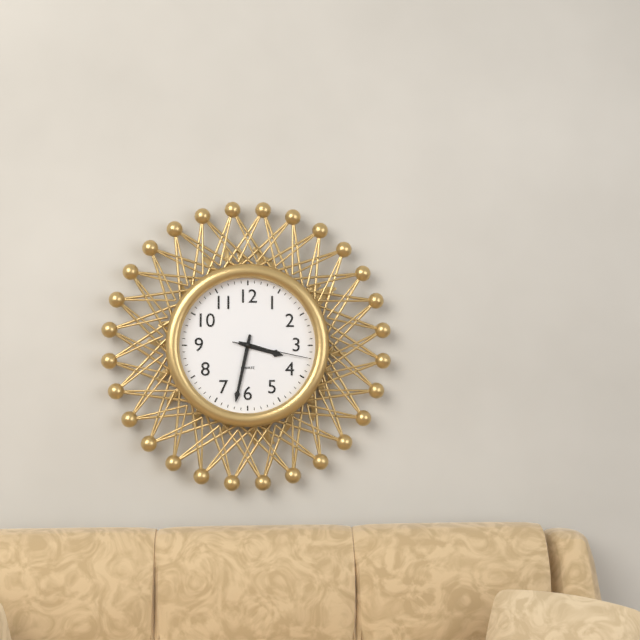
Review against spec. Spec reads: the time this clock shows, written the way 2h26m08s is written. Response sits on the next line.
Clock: 3h32m17s
